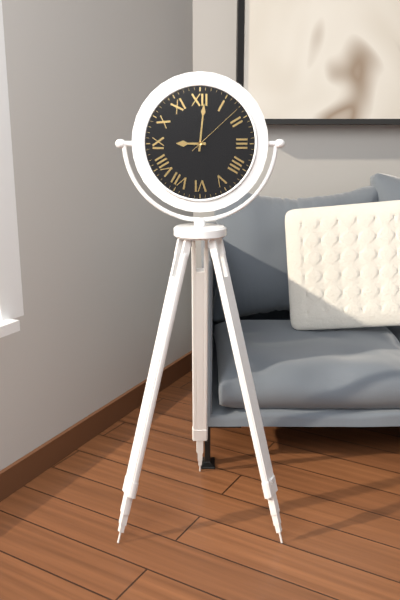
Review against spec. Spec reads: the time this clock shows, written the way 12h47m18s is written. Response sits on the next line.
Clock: 9h01m08s
